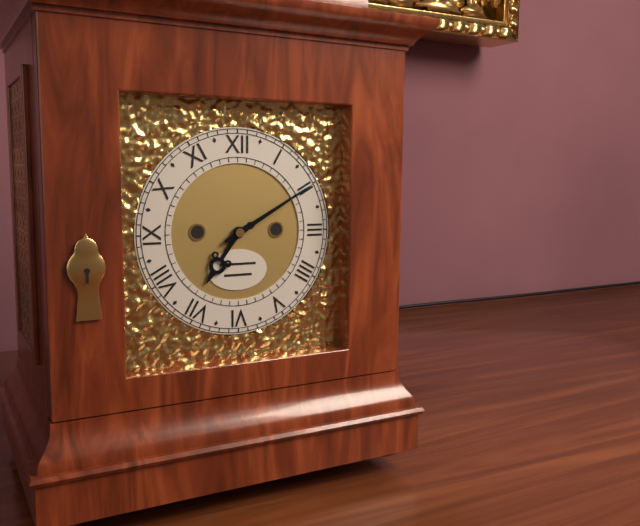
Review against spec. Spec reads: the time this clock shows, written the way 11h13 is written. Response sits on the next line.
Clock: 7h10
